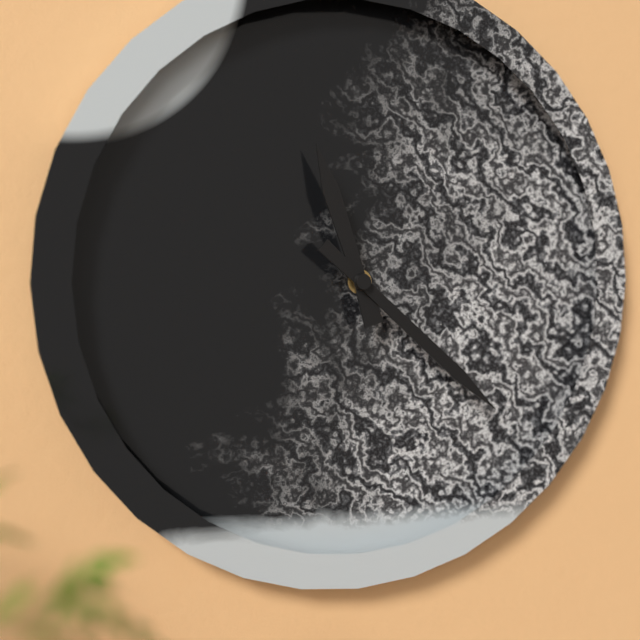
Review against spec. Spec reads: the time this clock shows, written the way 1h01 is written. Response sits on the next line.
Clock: 11h22
